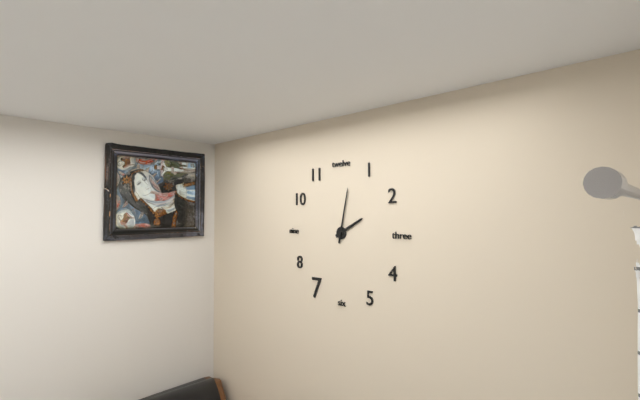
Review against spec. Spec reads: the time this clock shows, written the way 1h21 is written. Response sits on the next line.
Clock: 2h02
